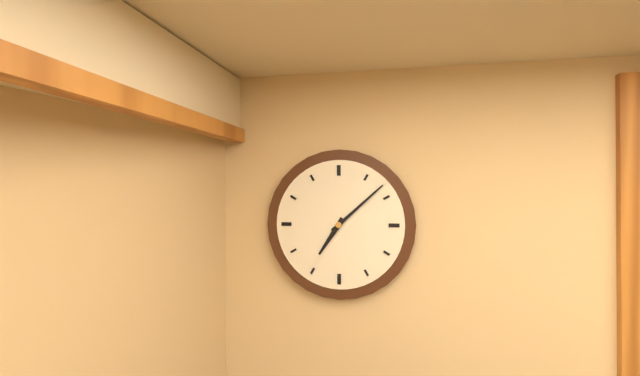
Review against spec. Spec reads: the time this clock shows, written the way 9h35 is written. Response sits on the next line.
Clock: 7h08
